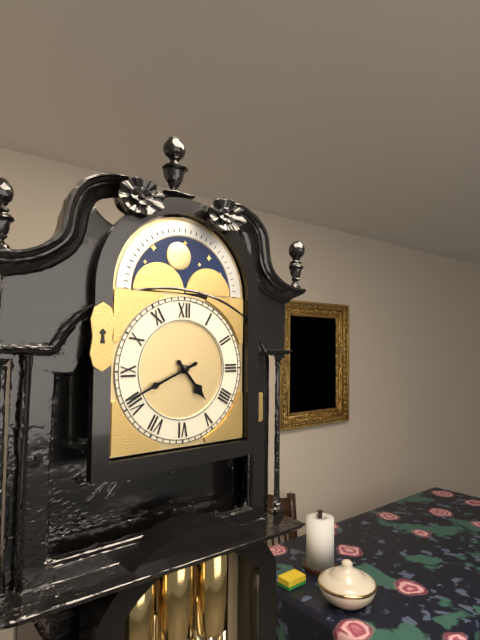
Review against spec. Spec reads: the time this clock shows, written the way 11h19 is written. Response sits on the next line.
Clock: 4h41
